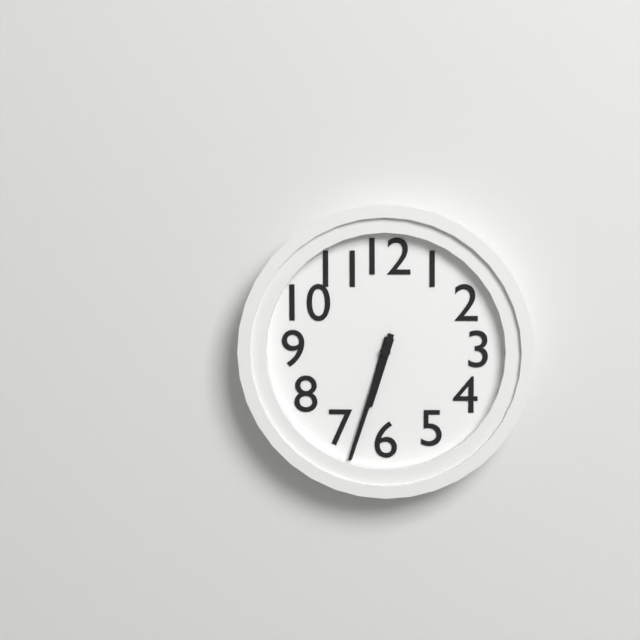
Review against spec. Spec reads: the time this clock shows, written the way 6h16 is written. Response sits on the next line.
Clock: 6h33
